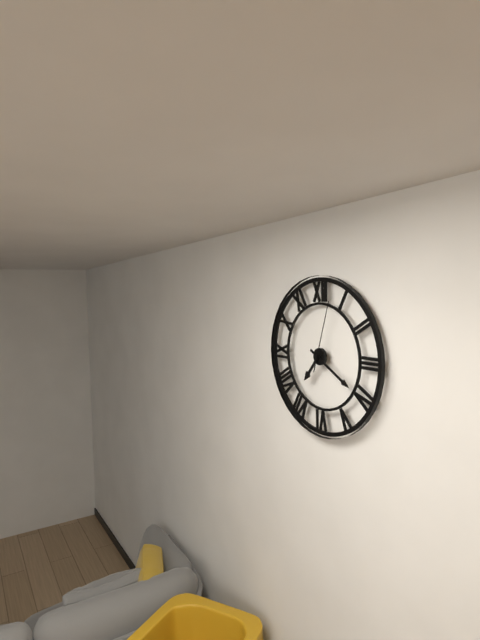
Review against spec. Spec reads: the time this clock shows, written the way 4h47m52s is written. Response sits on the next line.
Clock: 7h20m03s
